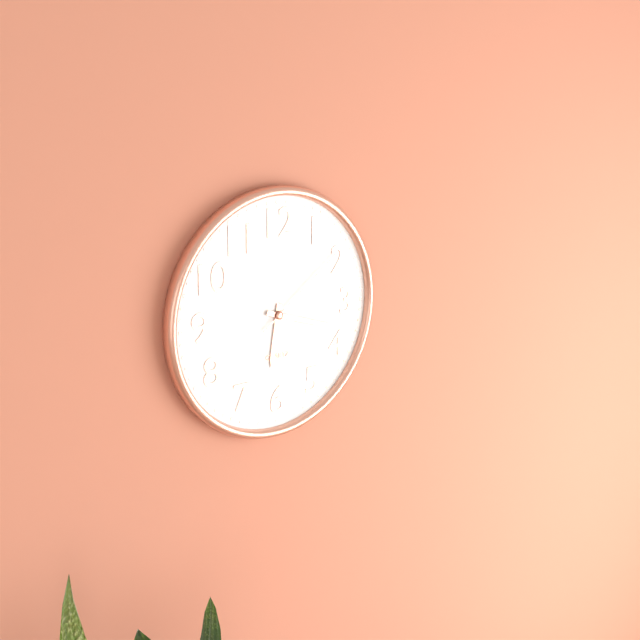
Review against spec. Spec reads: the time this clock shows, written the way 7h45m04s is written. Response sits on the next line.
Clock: 6h18m09s
